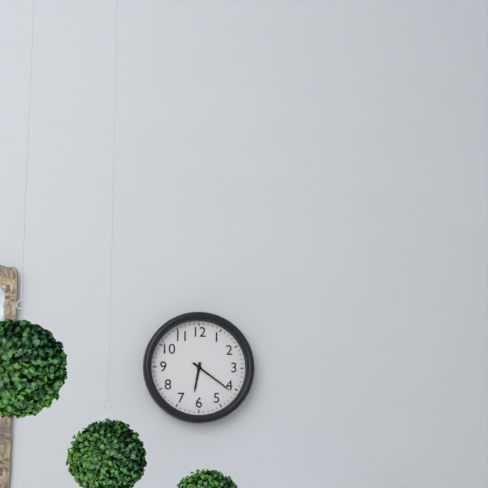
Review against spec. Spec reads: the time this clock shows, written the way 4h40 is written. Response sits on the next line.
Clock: 6h21
